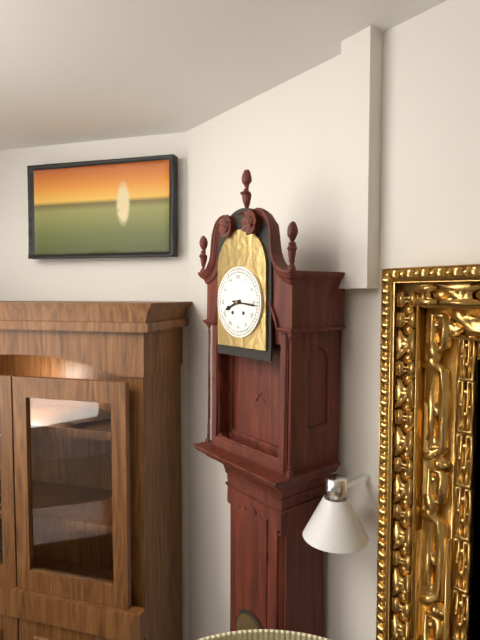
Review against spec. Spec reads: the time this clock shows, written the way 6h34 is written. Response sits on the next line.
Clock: 8h16
